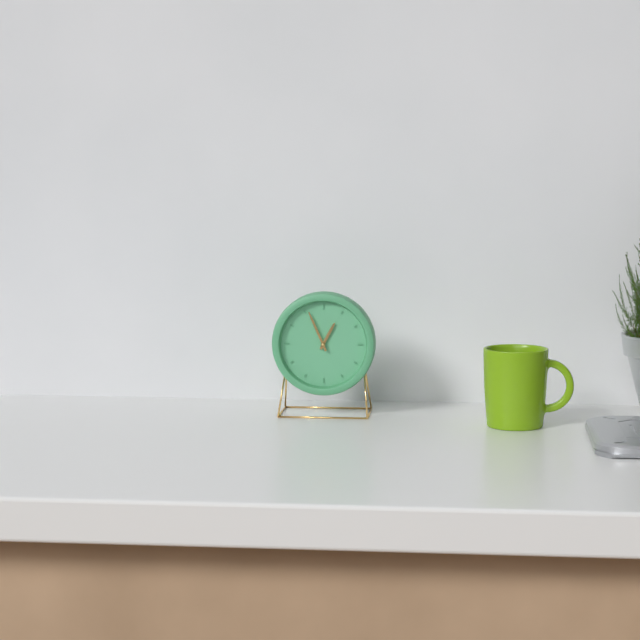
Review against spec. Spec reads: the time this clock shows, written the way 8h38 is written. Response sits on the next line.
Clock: 12h56
